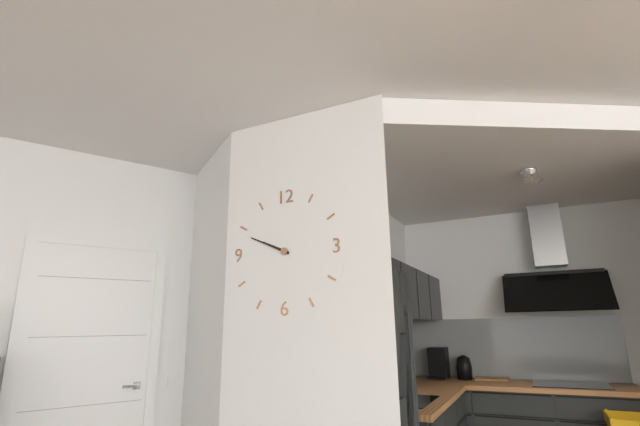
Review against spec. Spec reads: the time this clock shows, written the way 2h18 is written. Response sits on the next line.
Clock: 9h49
